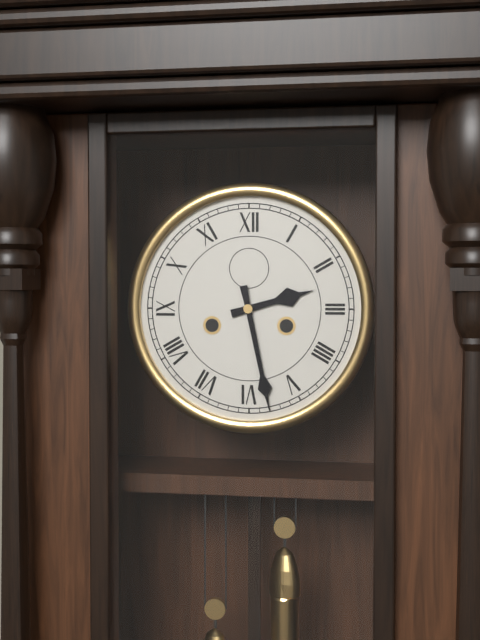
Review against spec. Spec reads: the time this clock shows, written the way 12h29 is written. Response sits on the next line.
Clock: 2h28
